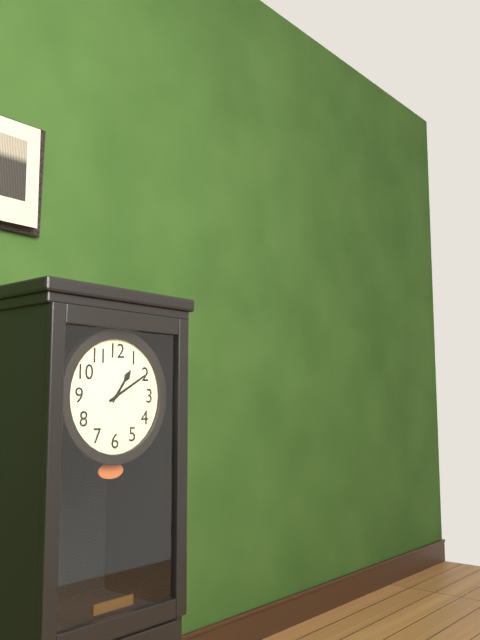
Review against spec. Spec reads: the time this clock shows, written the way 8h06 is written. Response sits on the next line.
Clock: 1h10
